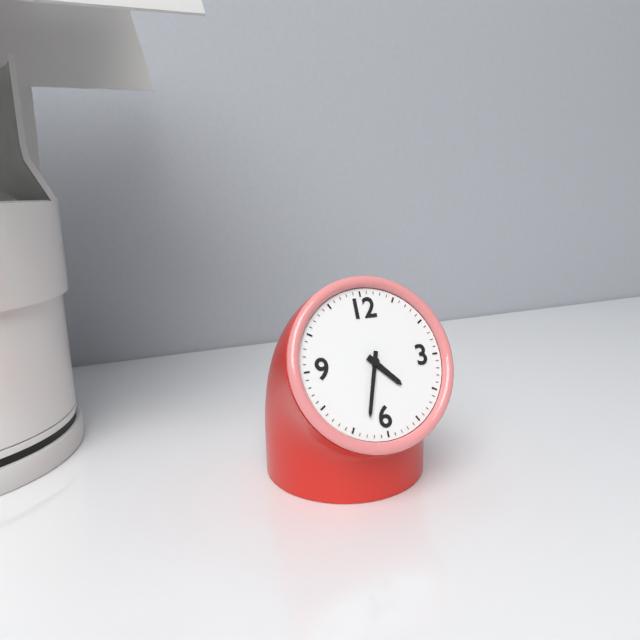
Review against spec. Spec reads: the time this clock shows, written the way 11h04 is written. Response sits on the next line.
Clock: 4h33
